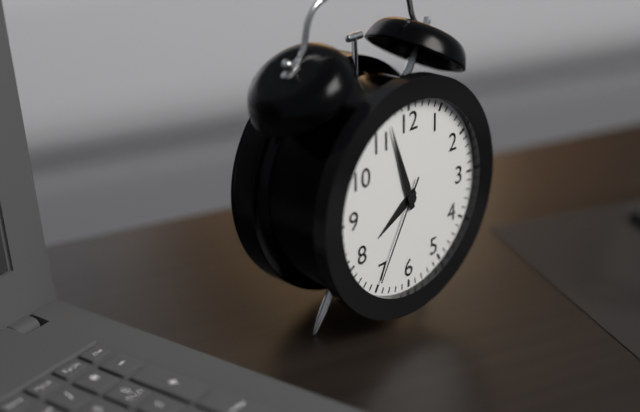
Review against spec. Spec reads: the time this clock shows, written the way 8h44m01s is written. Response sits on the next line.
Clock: 7h57m35s
